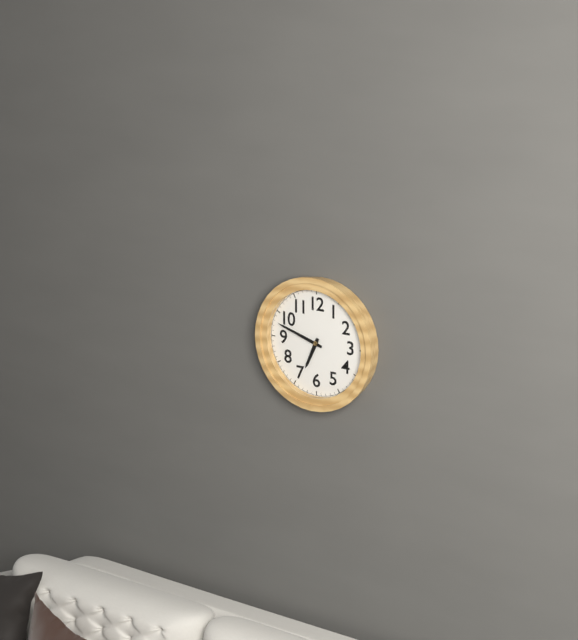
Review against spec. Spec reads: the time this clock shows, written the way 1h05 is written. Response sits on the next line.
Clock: 6h48
